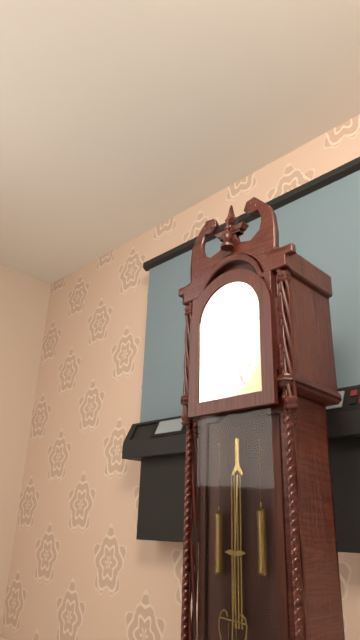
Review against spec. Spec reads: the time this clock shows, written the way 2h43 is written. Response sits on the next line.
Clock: 9h25
